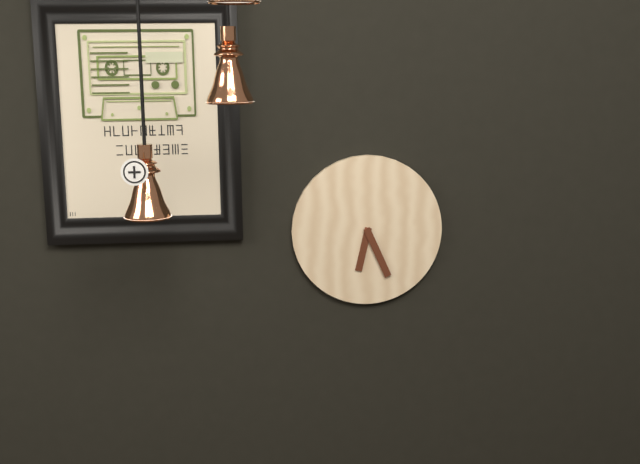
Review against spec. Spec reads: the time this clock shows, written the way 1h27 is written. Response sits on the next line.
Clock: 6h26
